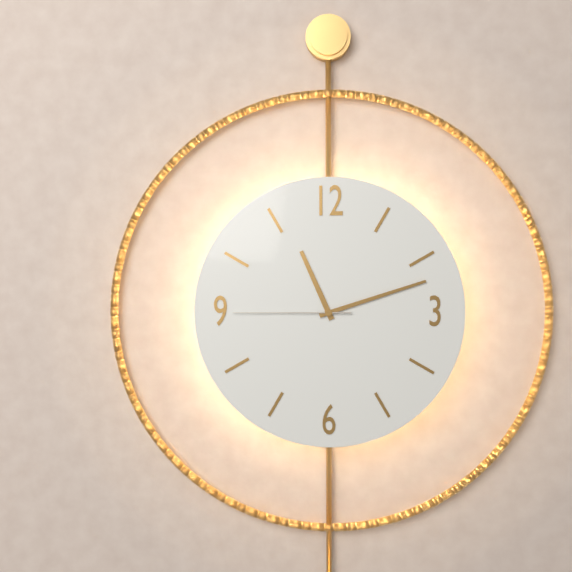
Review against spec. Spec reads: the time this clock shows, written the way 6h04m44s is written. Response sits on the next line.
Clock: 11h12m45s
